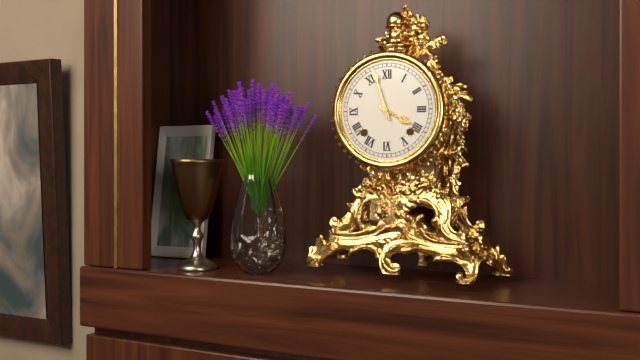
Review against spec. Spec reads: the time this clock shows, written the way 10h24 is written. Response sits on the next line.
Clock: 3h57
